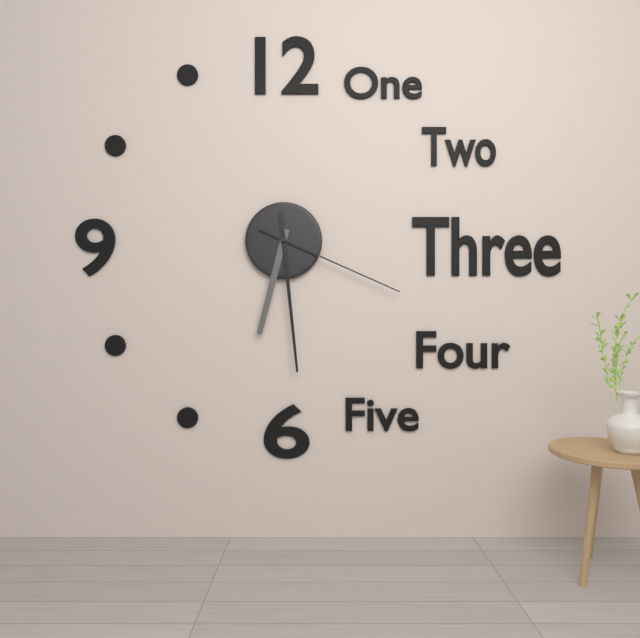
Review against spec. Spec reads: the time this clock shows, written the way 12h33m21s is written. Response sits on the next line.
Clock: 6h29m19s
